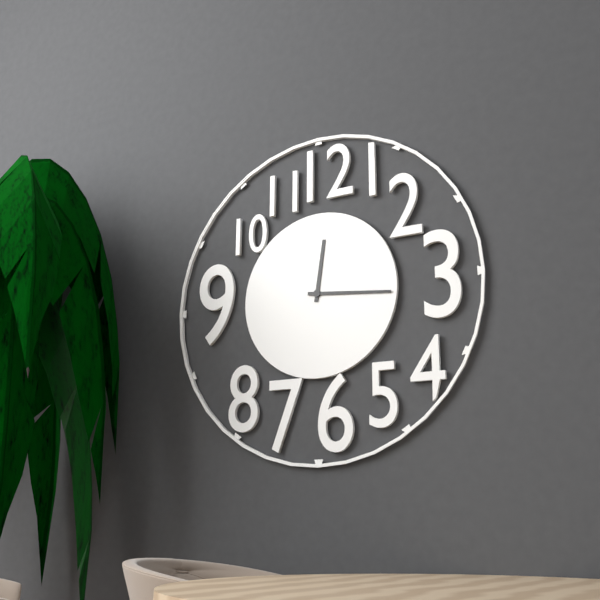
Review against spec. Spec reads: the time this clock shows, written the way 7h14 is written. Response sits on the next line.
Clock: 12h16
